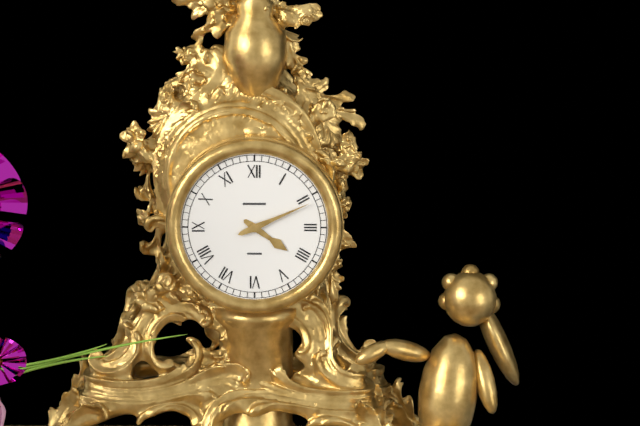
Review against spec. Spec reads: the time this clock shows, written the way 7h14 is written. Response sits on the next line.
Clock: 4h11
